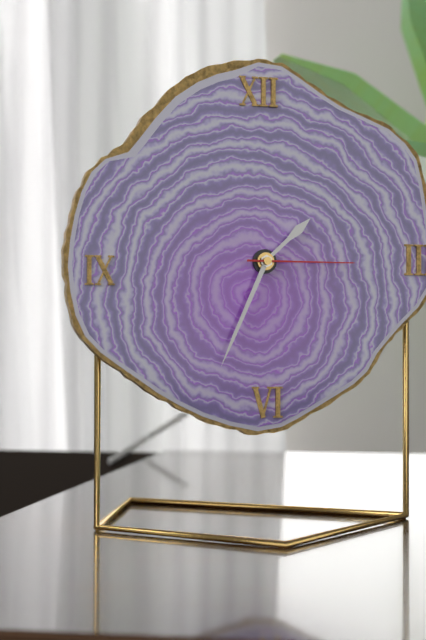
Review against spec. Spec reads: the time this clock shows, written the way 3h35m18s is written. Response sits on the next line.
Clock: 1h34m15s
